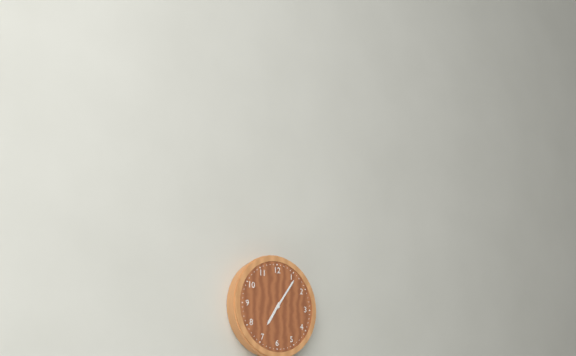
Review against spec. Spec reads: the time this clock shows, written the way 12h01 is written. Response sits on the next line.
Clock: 7h06
